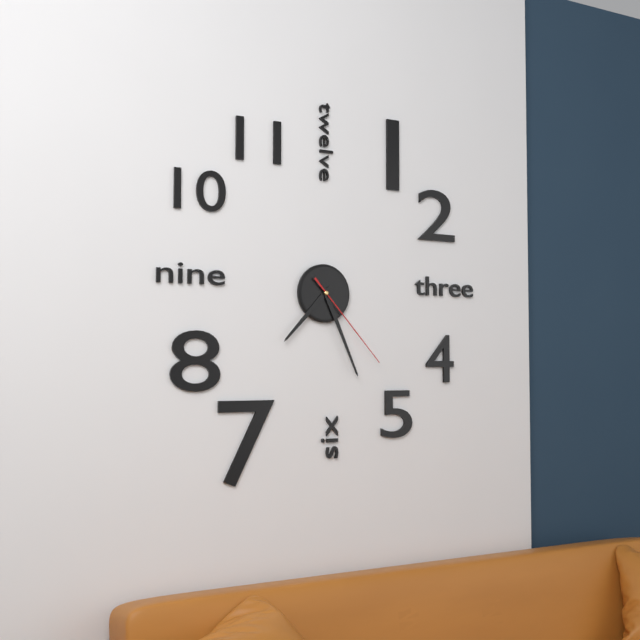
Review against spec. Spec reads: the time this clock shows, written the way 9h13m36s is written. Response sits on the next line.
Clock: 7h26m23s
